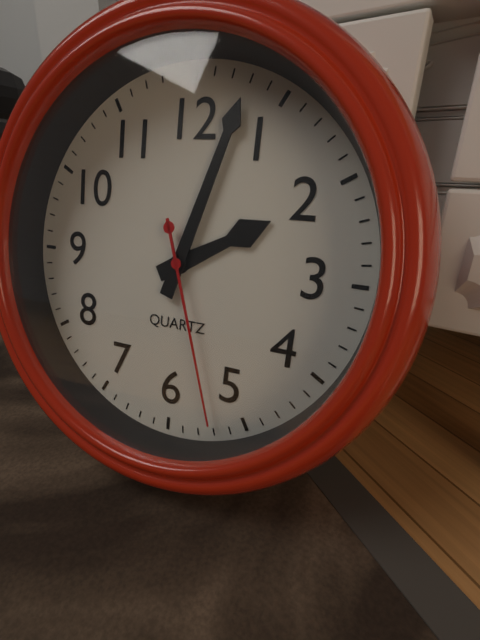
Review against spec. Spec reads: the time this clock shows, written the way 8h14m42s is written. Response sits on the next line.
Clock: 2h03m27s
